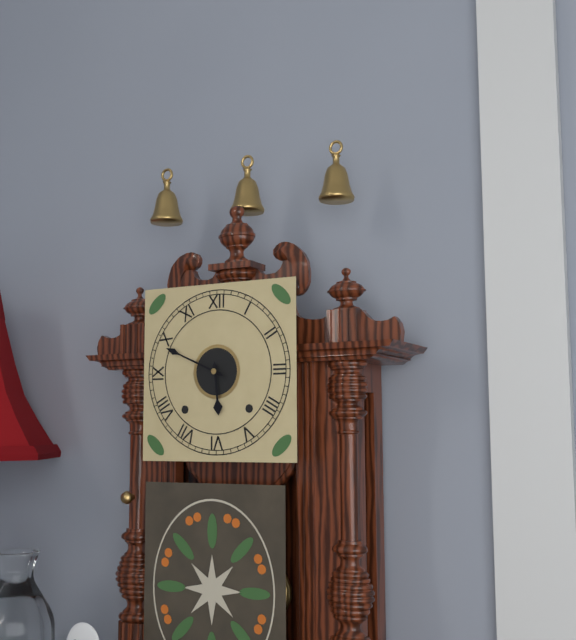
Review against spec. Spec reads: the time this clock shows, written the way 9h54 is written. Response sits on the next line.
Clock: 5h49
